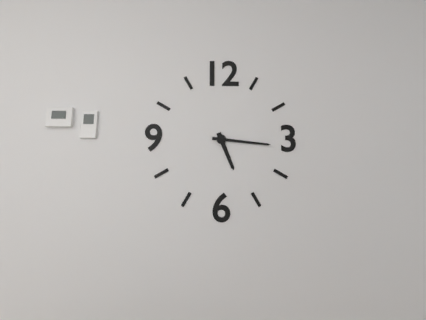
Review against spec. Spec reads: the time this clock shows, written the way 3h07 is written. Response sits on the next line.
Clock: 5h16
